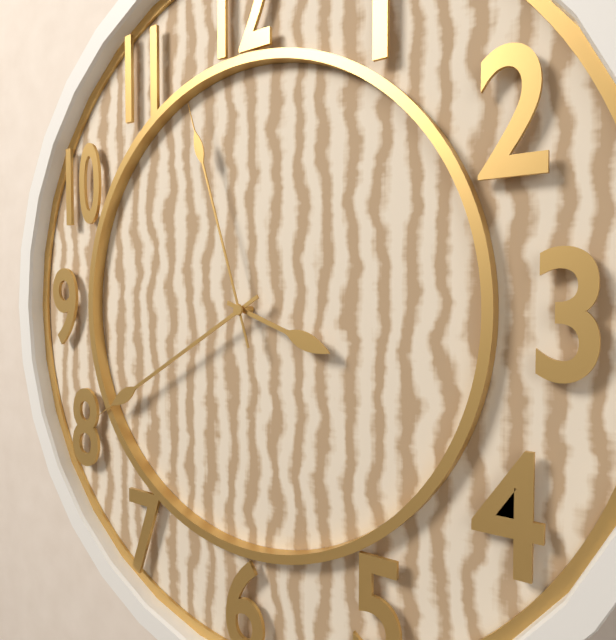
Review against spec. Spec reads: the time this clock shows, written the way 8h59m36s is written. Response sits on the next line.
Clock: 3h40m57s
